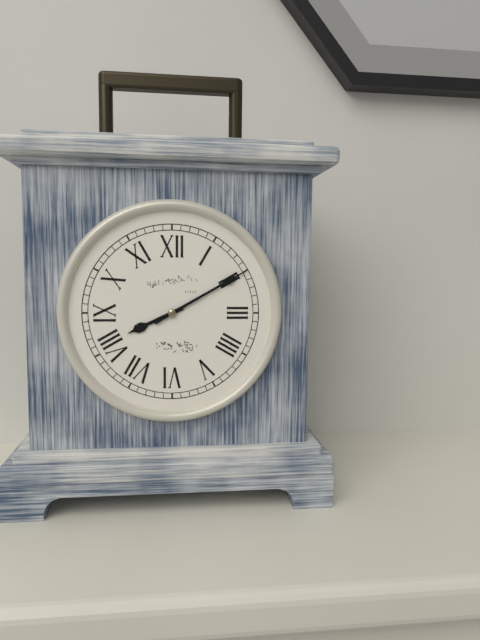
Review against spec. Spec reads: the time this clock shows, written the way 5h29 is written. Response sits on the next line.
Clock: 8h10
